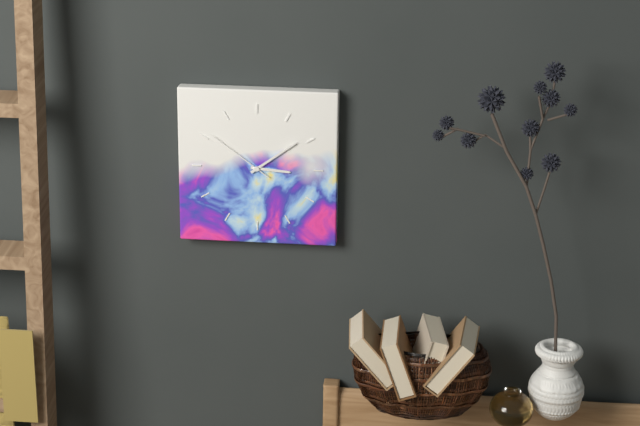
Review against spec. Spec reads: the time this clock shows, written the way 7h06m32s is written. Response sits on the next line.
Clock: 3h09m51s
